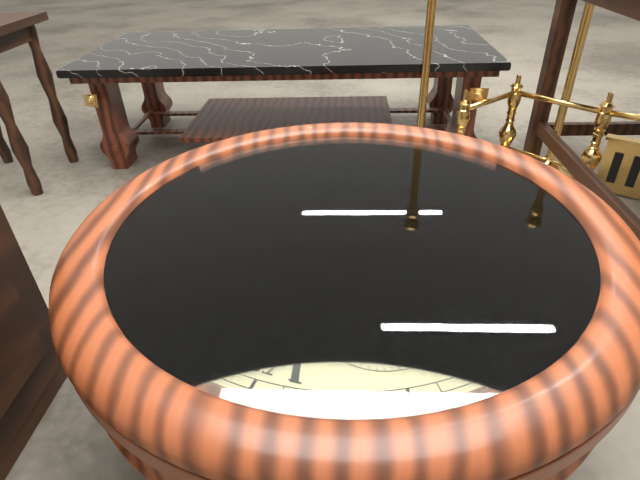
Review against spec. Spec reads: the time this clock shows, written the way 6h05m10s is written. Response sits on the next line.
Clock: 6h46m58s
